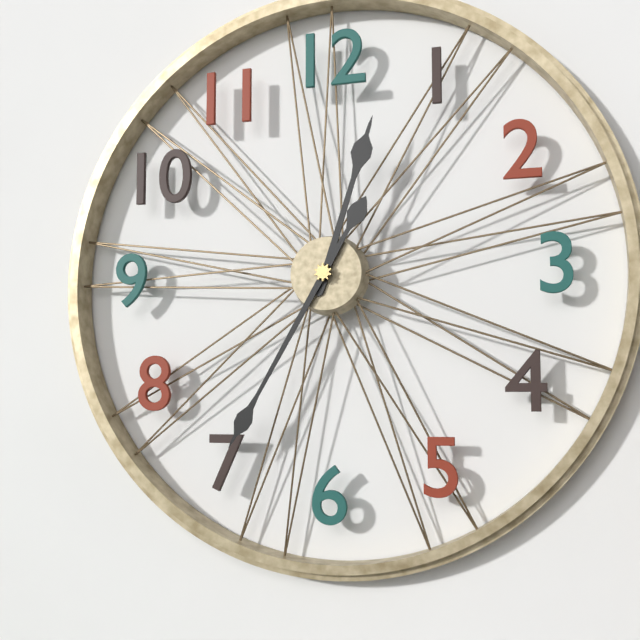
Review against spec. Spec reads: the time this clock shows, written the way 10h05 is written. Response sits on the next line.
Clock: 12h35
